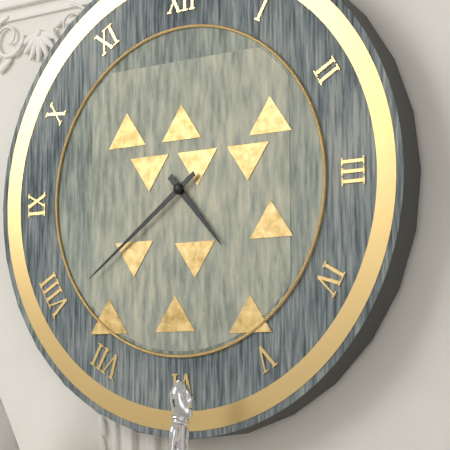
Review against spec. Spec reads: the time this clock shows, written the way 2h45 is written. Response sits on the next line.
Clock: 4h39
